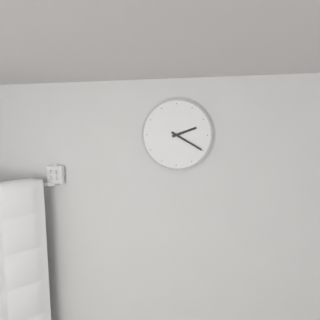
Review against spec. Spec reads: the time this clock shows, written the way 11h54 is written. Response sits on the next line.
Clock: 2h20
